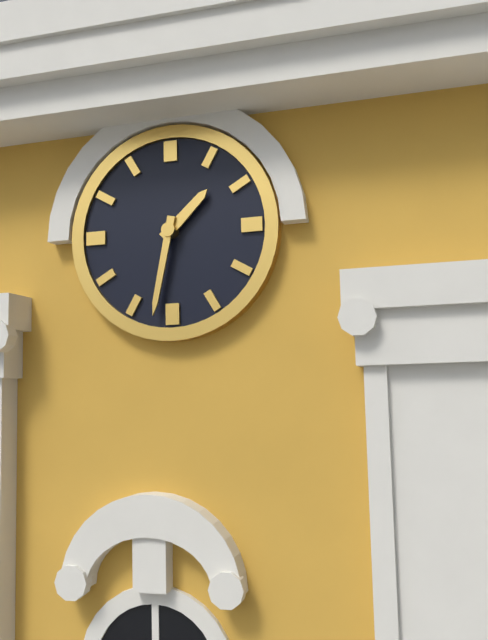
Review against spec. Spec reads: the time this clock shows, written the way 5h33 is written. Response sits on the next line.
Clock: 1h32
